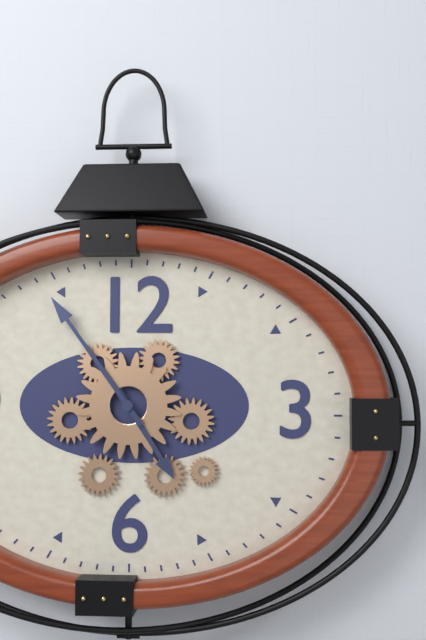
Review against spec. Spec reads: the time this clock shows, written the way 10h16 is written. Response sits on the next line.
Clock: 4h54
